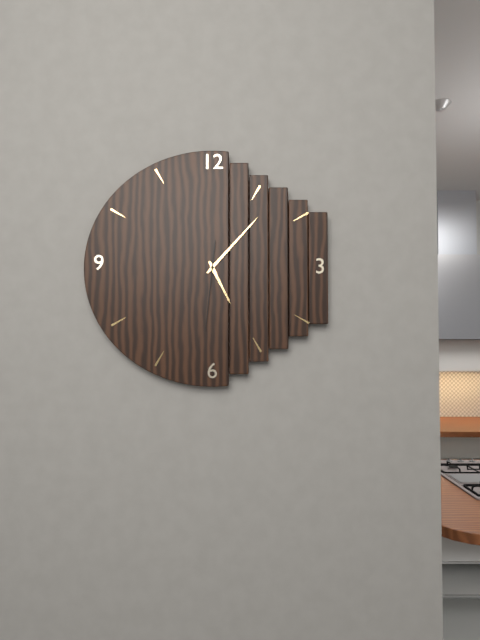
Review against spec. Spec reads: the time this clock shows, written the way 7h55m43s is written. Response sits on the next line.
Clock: 5h07m31s
